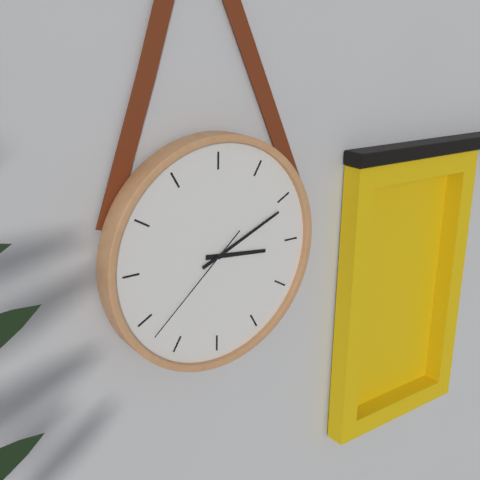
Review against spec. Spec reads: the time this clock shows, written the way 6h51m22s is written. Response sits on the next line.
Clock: 3h11m38s
